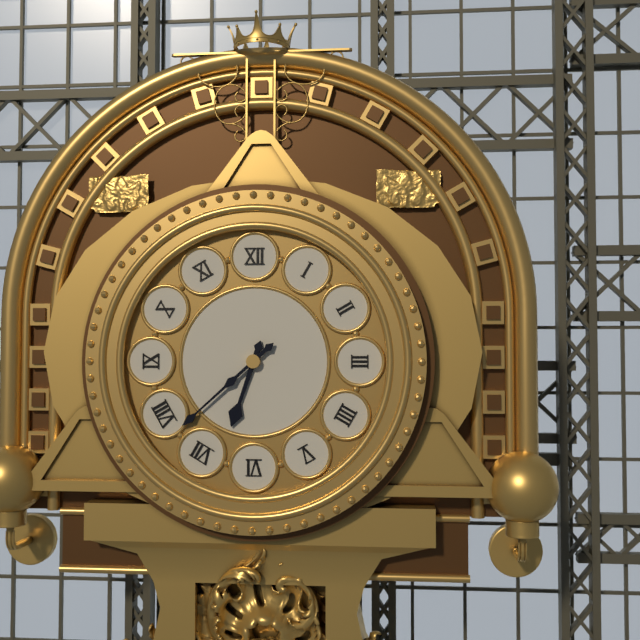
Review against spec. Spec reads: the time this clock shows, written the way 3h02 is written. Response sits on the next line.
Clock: 6h38
